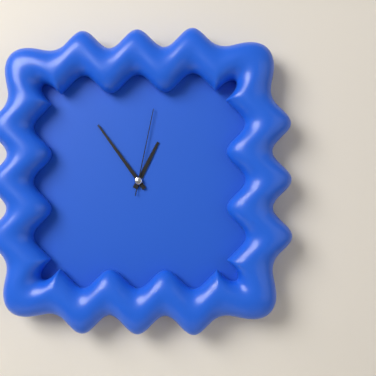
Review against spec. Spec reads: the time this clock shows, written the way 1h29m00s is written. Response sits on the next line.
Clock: 12h54m02s
